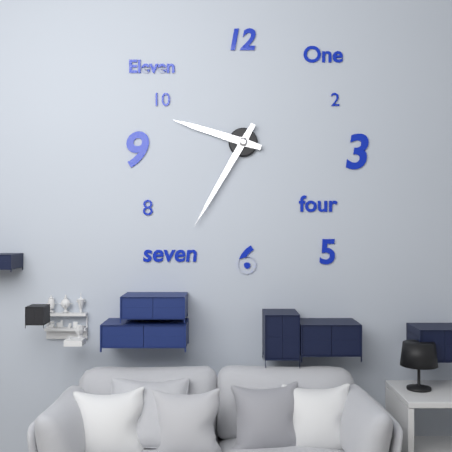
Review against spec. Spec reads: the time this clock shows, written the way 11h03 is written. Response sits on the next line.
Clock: 9h35
